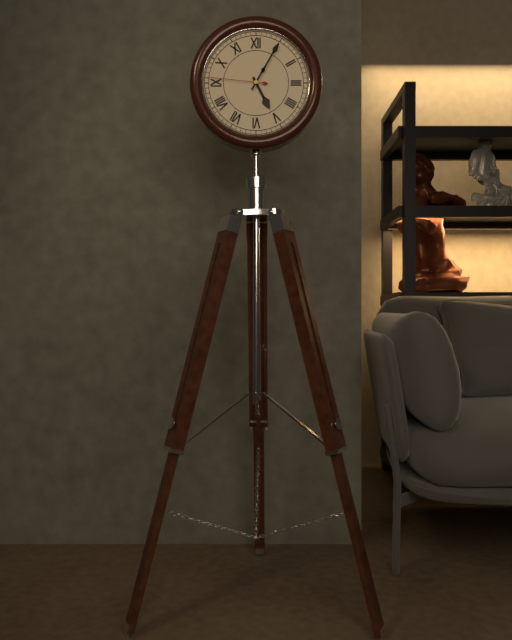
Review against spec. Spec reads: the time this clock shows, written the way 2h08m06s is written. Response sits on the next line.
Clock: 5h05m46s
